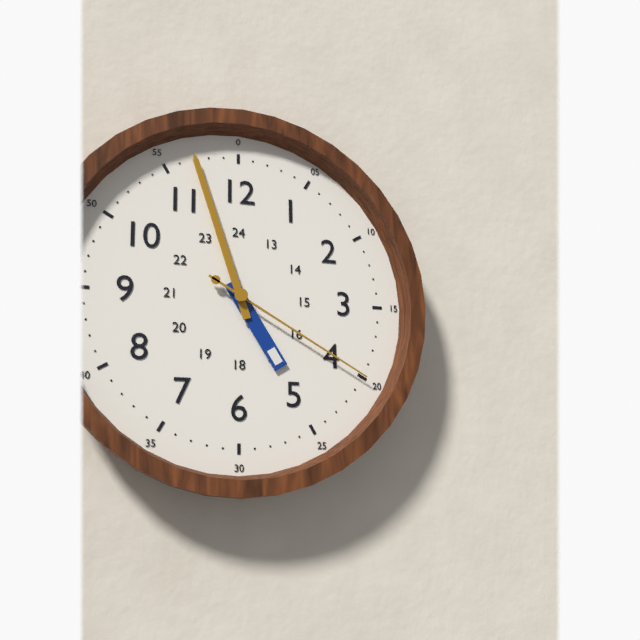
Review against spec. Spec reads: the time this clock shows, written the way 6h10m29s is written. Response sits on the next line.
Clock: 4h57m20s
